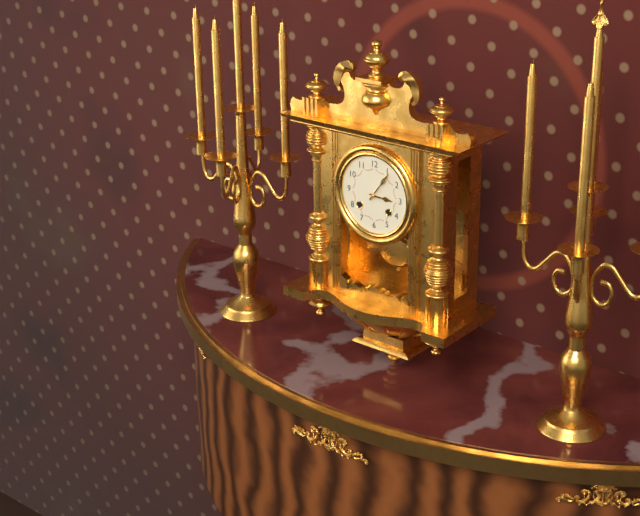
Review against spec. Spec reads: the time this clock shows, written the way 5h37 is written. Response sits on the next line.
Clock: 3h06
